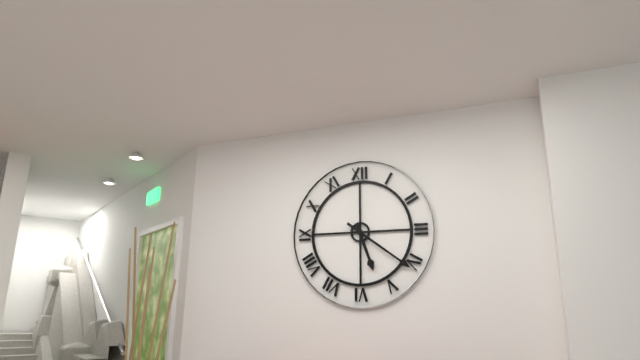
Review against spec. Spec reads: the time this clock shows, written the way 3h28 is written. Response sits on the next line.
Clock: 5h21
